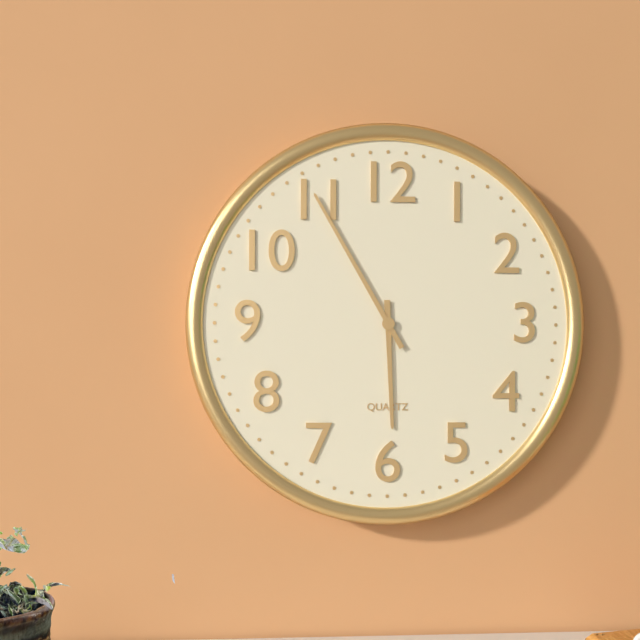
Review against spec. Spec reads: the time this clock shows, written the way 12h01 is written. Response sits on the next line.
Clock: 5h55
